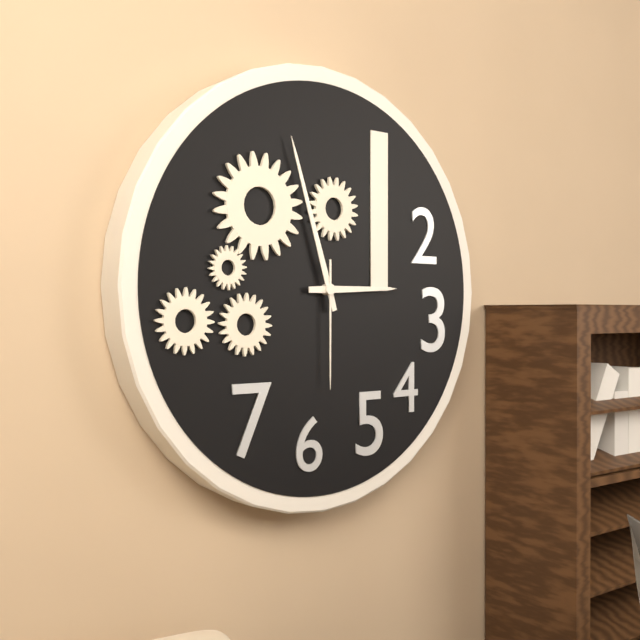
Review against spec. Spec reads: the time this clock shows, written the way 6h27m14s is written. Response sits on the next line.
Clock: 2h57m30s
